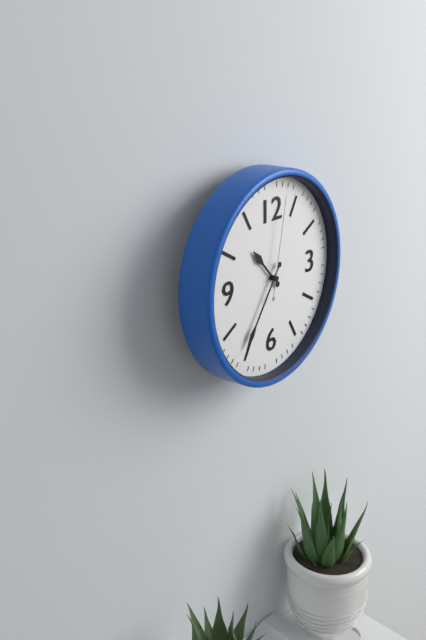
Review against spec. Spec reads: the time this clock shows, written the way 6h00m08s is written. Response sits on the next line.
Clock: 10h36m02s
